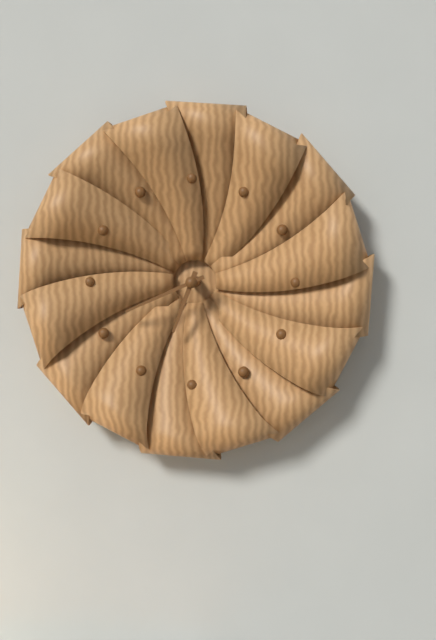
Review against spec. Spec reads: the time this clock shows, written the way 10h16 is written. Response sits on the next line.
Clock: 6h41
